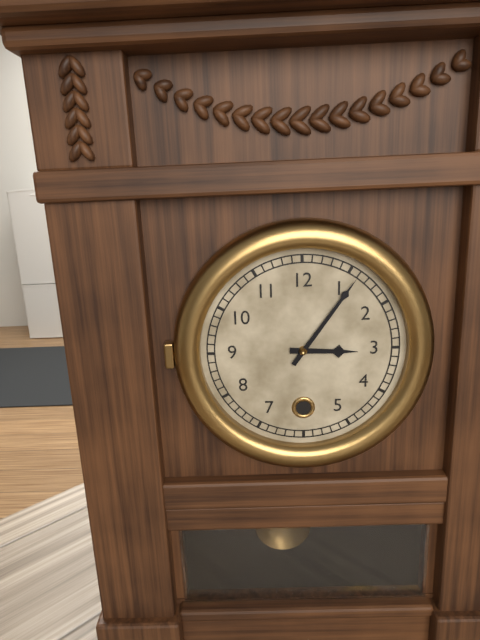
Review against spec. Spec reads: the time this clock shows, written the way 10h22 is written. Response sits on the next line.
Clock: 3h06
